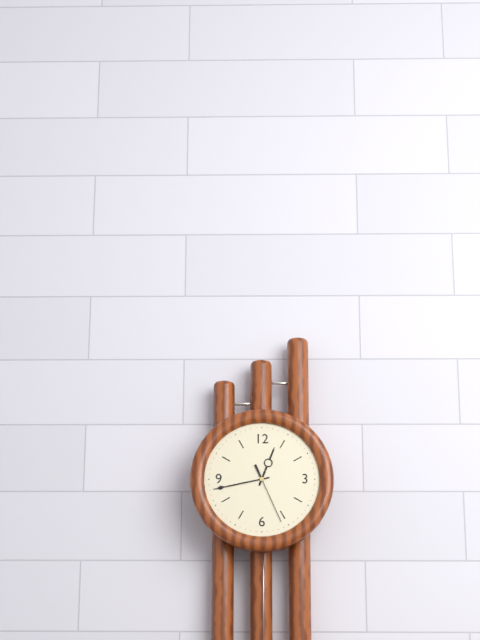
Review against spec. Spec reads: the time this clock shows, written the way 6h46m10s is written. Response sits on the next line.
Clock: 12h43m26s
